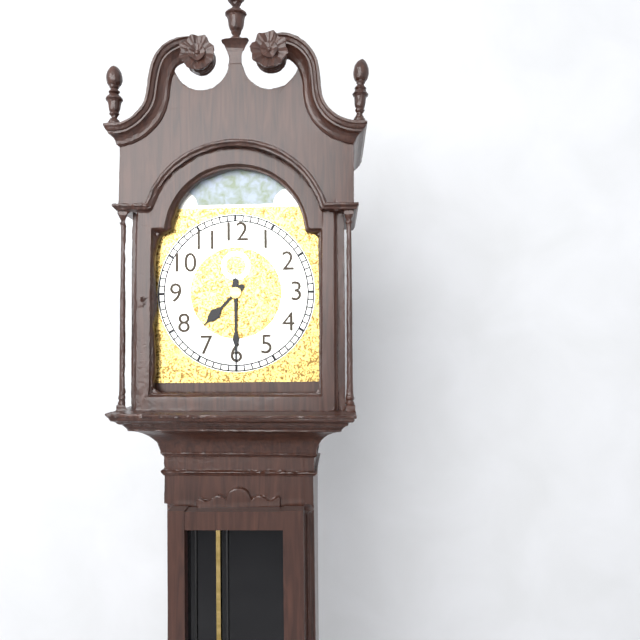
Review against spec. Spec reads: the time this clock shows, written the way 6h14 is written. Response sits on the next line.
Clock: 7h30
